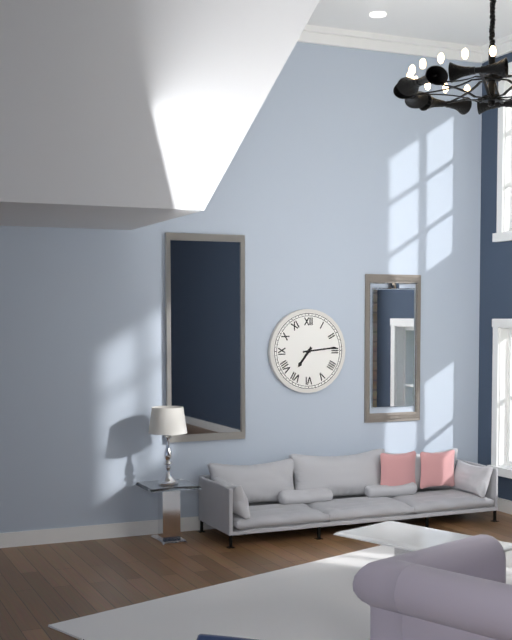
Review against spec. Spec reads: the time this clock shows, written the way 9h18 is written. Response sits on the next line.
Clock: 7h14
